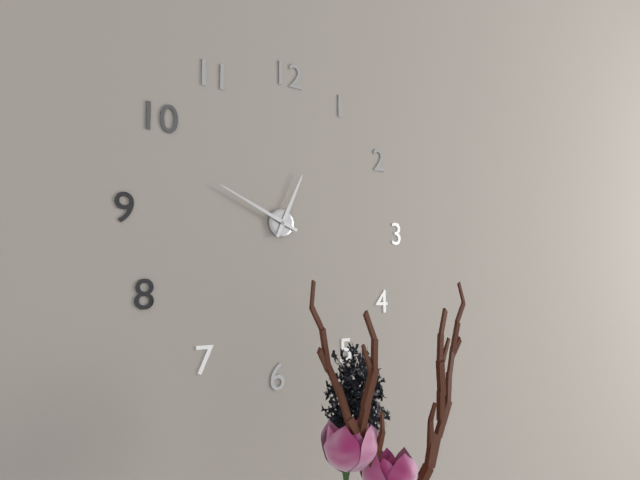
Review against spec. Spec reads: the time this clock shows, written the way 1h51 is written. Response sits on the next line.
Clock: 12h49
